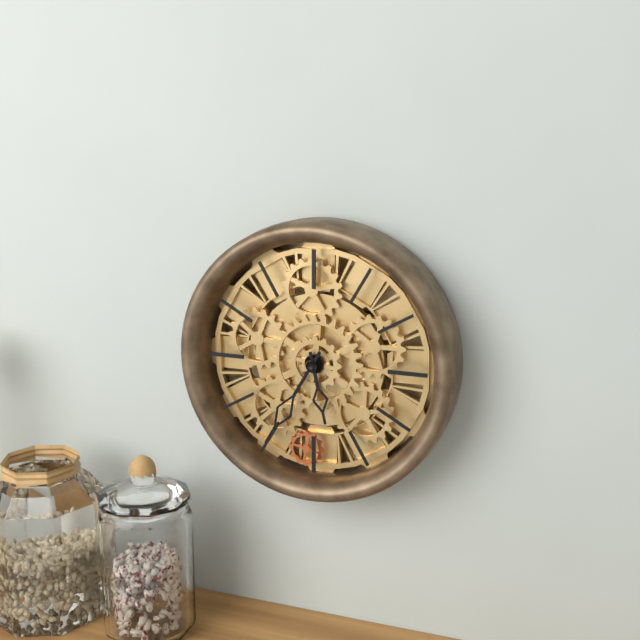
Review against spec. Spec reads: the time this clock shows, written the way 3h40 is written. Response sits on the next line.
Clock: 5h35
